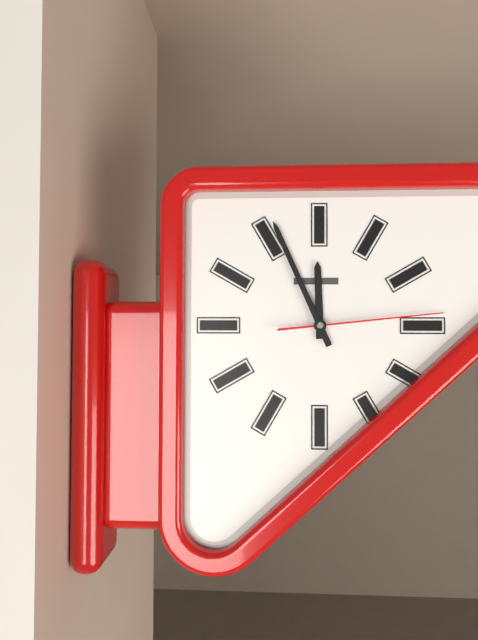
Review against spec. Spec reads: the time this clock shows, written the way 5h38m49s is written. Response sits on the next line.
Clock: 11h56m14s
